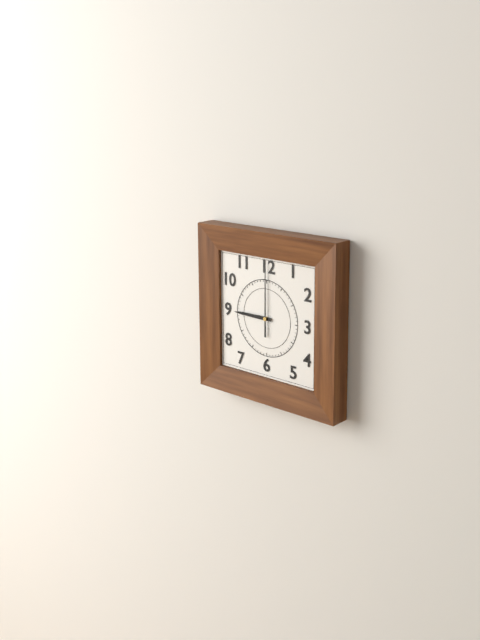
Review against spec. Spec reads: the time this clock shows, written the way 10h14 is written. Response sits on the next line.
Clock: 9h00
